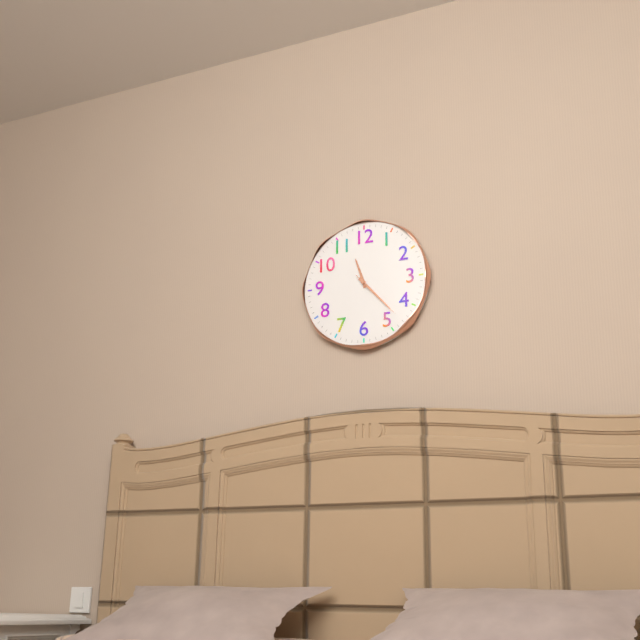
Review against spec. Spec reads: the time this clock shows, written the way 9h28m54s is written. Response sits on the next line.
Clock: 11h23m23s
